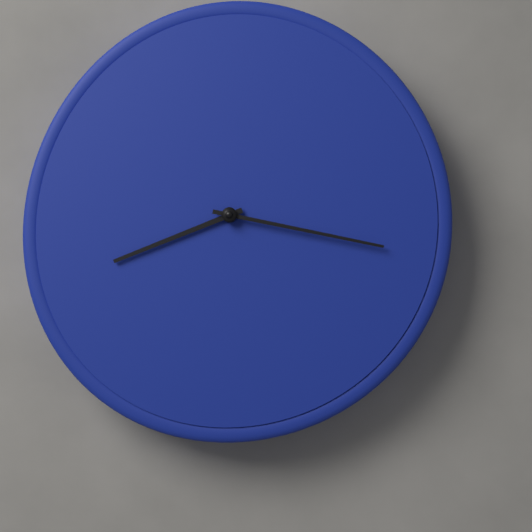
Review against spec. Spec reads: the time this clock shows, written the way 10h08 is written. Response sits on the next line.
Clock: 8h17
